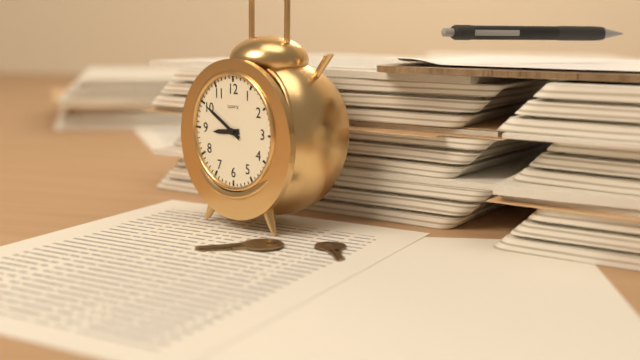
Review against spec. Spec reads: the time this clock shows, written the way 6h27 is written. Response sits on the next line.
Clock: 8h50
